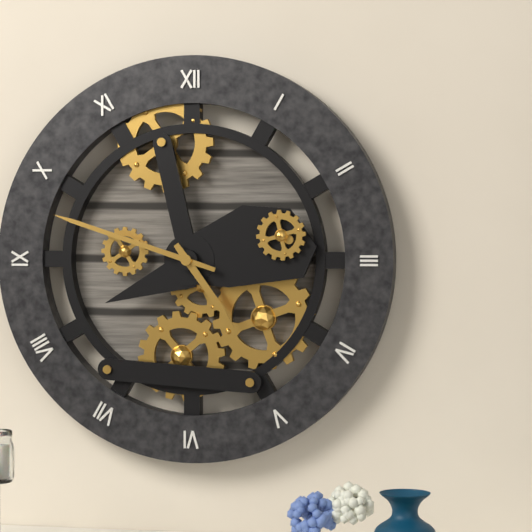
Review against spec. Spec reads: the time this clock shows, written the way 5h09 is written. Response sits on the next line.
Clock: 4h48
